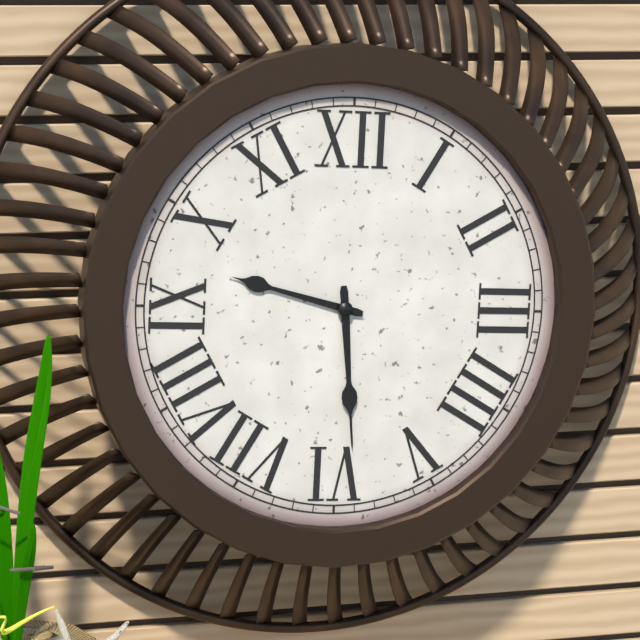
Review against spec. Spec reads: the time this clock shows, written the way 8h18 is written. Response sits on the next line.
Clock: 9h29
